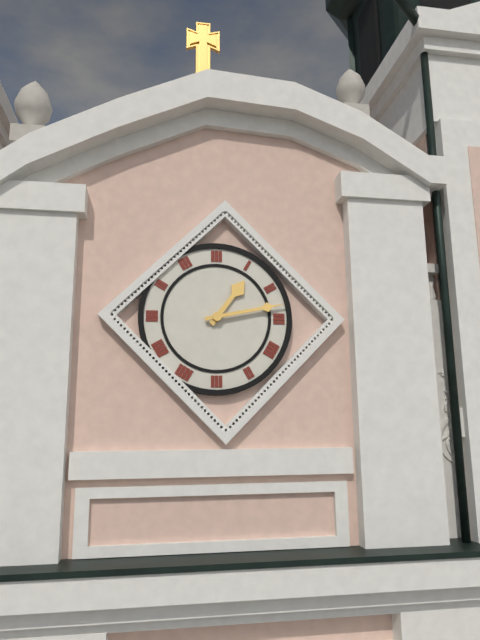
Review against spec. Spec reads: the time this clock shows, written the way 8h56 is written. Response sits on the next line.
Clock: 1h13
